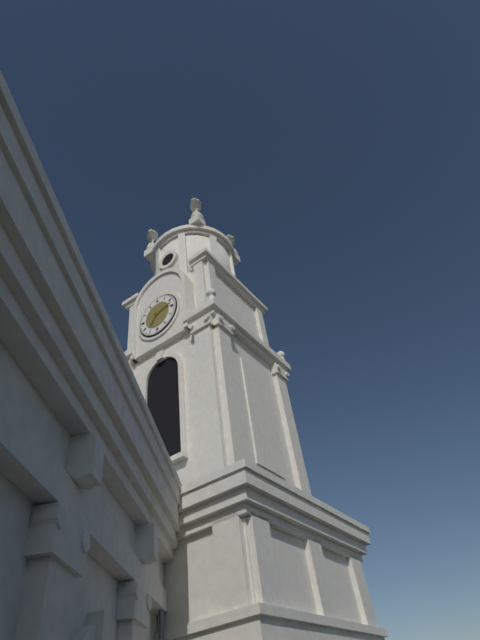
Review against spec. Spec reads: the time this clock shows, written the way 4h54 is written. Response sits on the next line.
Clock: 7h13
